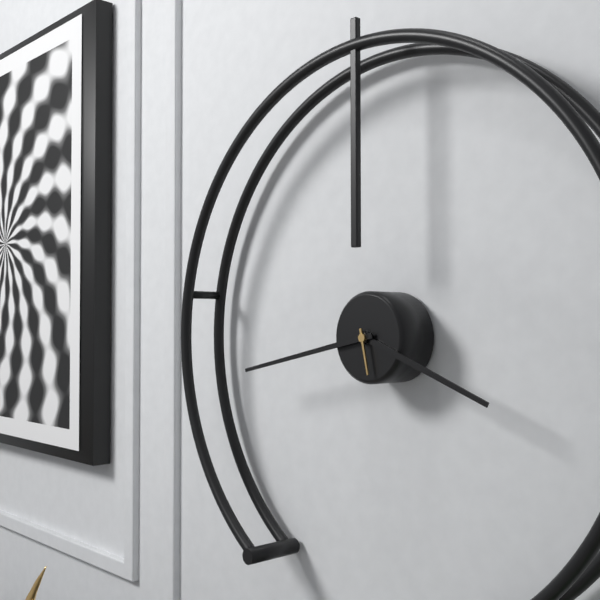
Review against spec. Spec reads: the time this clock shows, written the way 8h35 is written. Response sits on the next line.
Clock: 3h43
